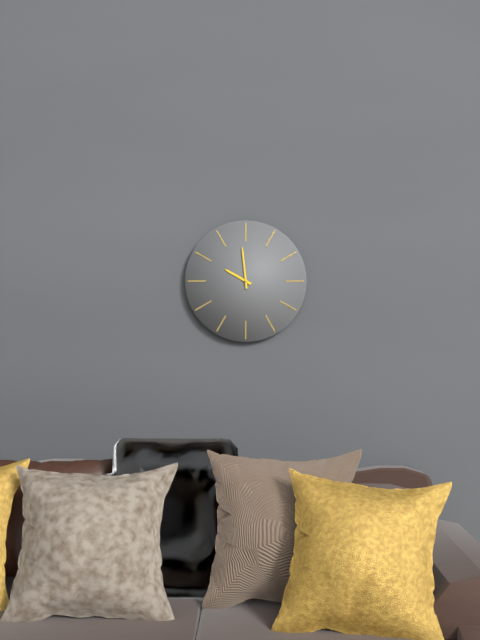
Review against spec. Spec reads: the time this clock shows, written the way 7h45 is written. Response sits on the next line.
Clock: 9h59
